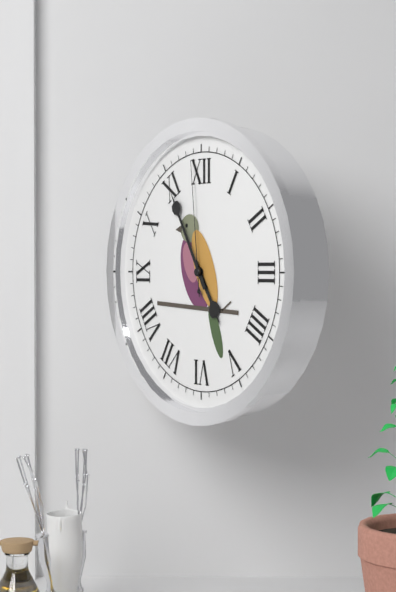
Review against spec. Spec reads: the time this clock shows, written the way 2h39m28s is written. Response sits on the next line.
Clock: 4h55m59s
